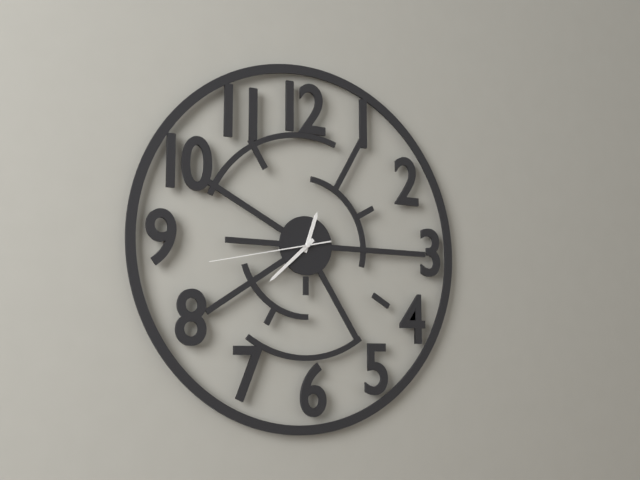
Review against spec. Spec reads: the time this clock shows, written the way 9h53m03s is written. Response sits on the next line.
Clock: 12h38m43s
